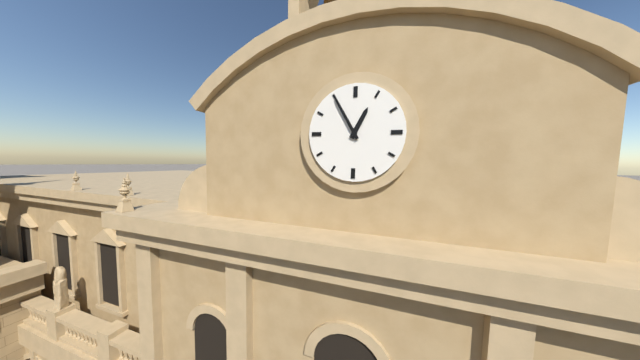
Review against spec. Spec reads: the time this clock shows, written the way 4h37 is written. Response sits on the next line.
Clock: 12h55
